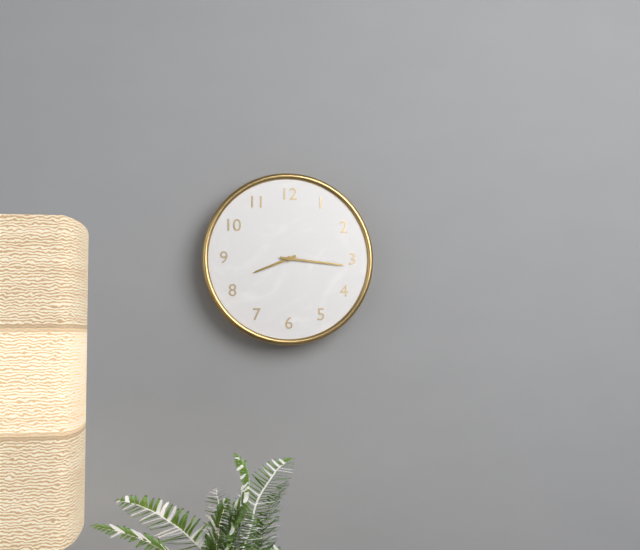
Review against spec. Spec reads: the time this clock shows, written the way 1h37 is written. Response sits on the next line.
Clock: 8h16
